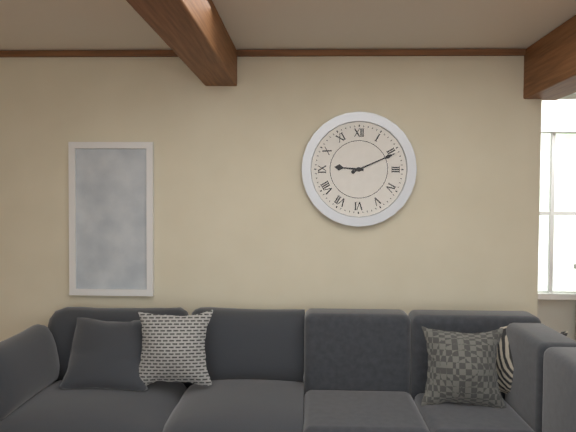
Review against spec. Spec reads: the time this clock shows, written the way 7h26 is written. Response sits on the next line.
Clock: 9h11
